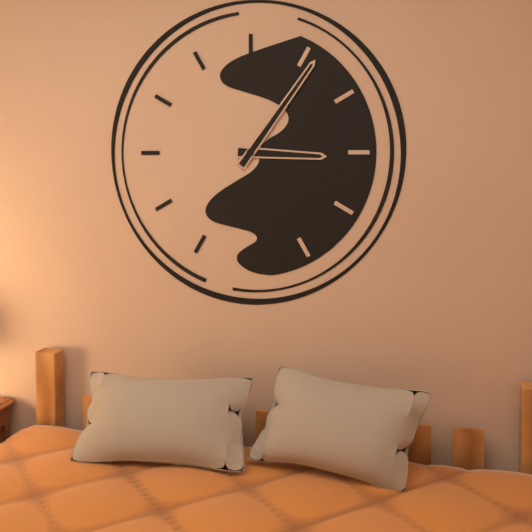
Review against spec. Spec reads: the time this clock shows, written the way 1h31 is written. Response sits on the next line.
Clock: 3h06
